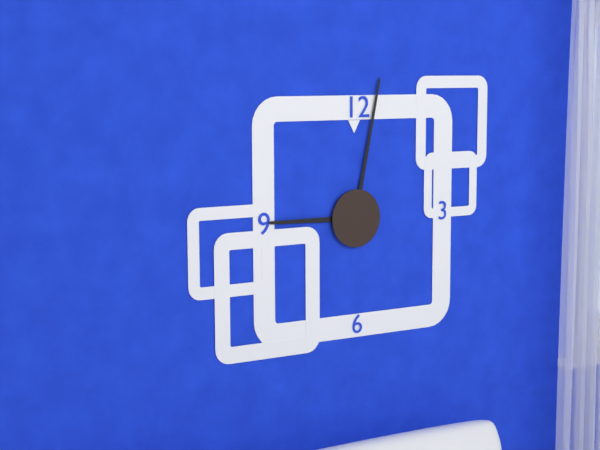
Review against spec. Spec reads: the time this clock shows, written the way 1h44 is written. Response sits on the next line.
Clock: 9h02
